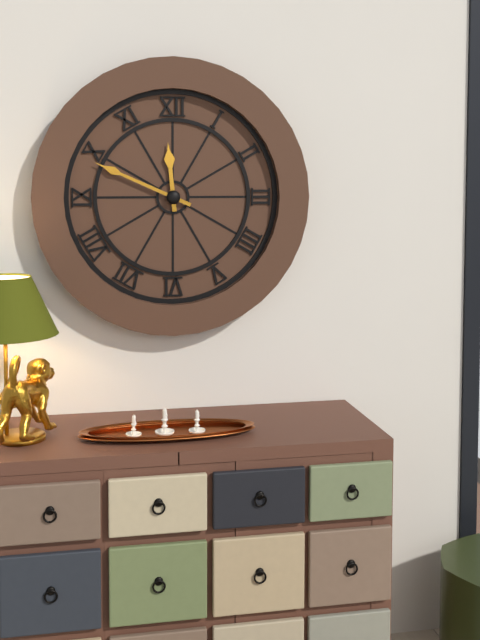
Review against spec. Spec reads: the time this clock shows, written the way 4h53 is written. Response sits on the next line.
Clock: 11h49
